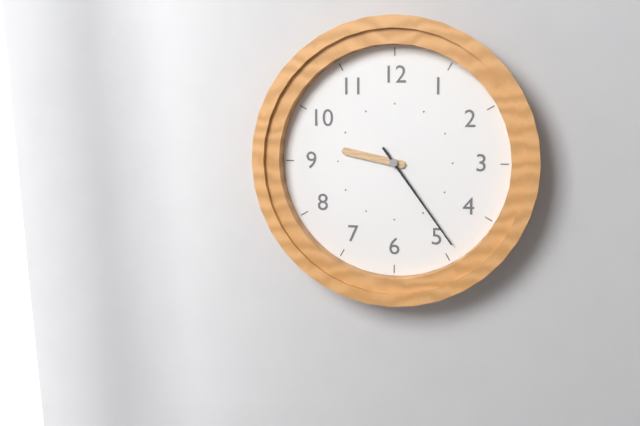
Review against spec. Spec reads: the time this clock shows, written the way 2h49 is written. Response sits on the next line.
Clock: 9h24
